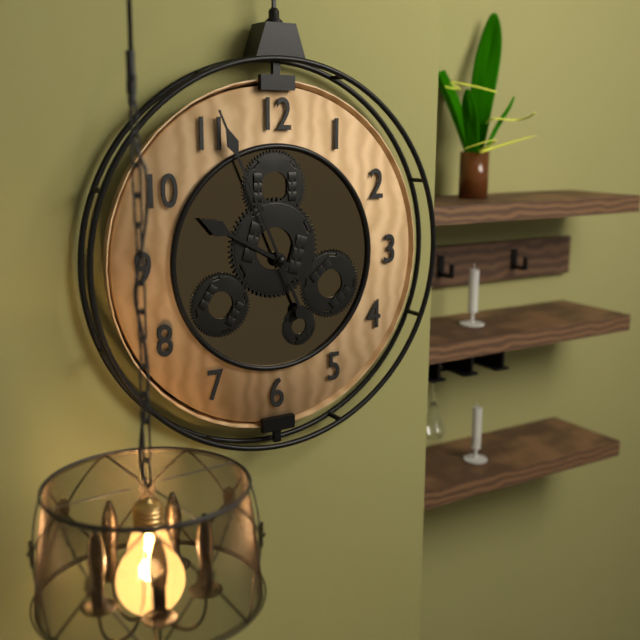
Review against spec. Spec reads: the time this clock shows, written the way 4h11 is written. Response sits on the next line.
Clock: 9h56
